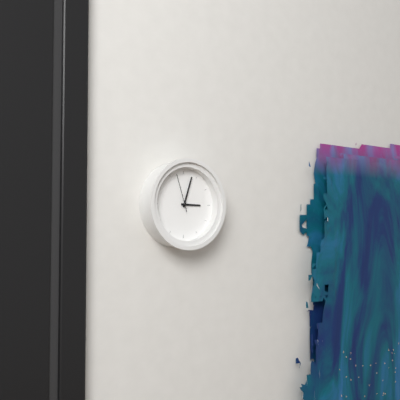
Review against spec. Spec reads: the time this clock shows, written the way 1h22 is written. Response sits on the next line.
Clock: 3h03
